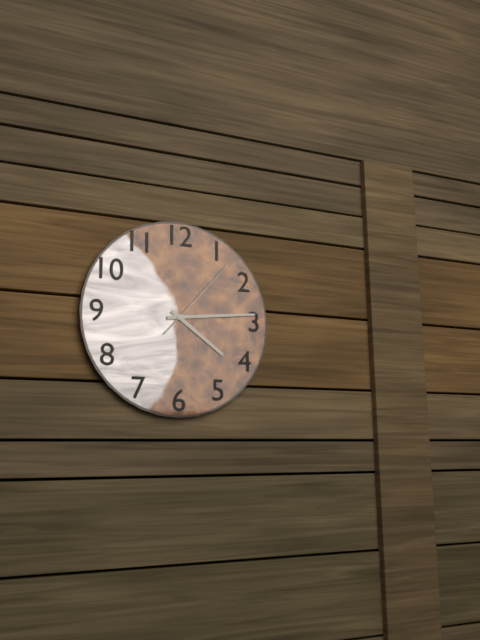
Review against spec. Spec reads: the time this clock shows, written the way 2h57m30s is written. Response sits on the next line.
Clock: 4h14m07s
